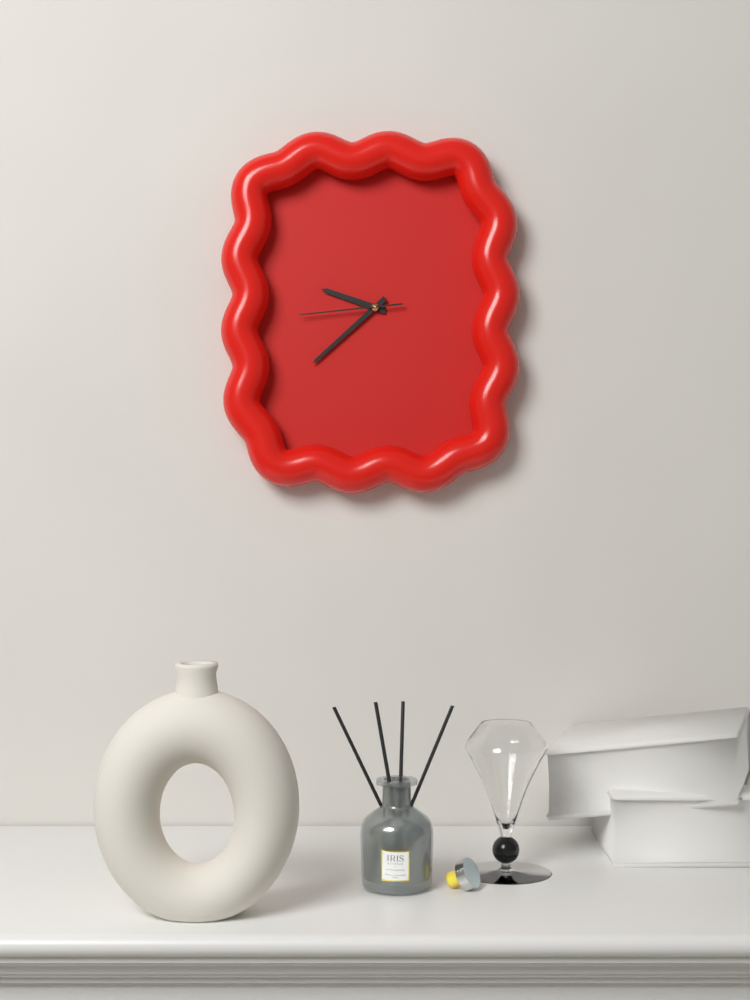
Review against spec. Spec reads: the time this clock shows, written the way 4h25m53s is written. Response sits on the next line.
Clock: 9h38m44s
